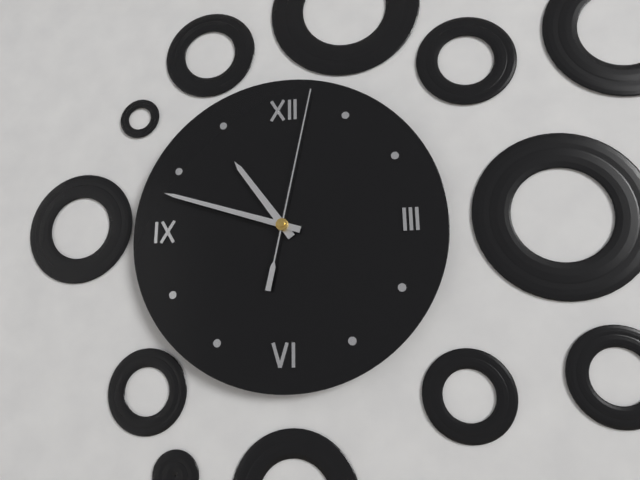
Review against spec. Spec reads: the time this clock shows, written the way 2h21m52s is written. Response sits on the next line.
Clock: 10h48m02s
